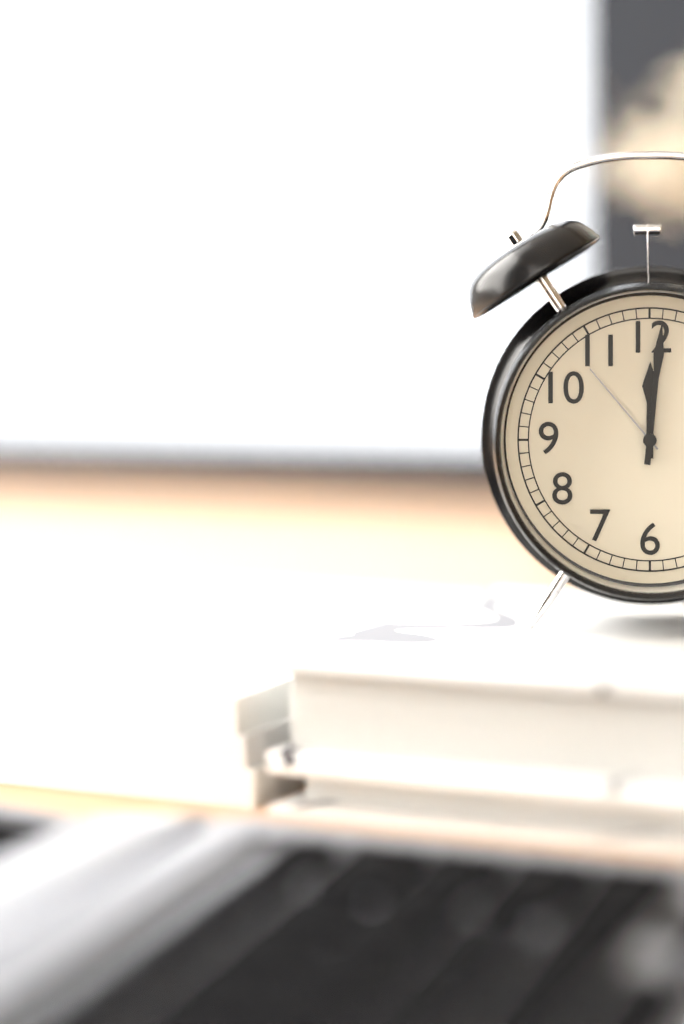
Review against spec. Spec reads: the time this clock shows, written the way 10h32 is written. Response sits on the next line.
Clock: 12h01
